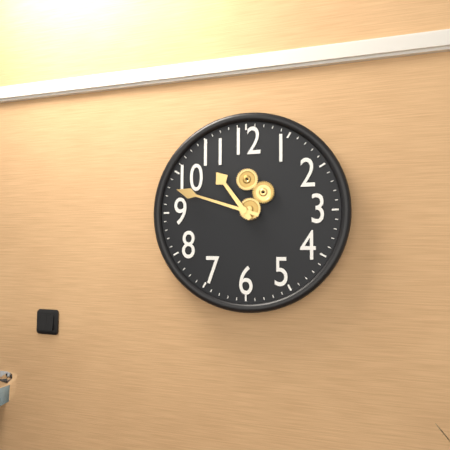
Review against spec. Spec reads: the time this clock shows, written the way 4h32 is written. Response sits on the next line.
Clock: 10h48
